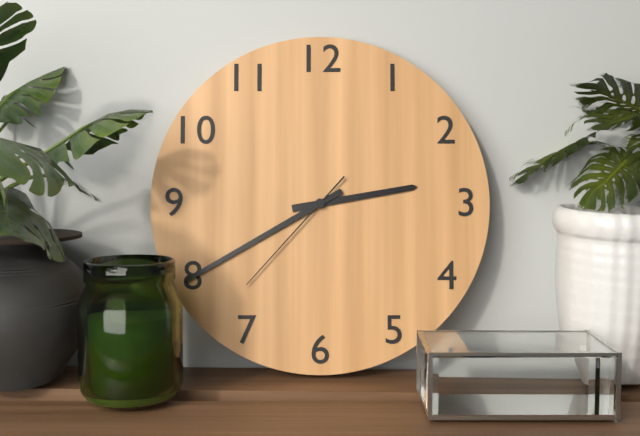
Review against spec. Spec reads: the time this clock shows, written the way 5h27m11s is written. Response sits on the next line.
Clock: 2h40m37s
